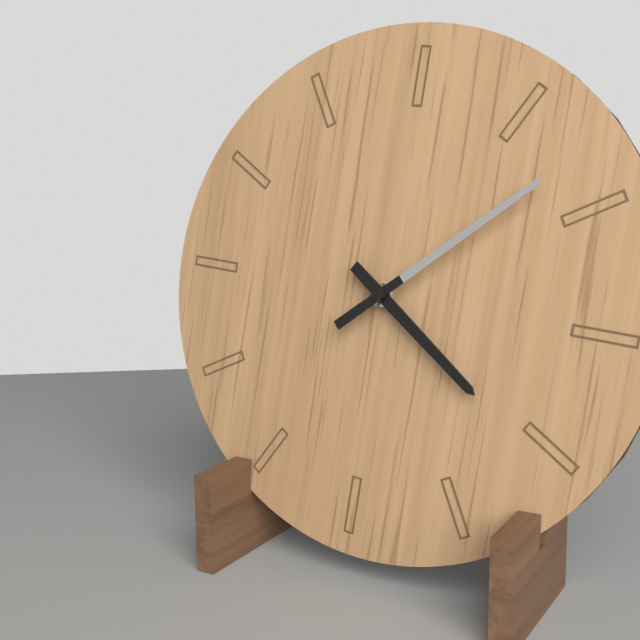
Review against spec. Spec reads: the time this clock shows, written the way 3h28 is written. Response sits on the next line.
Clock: 4h08
